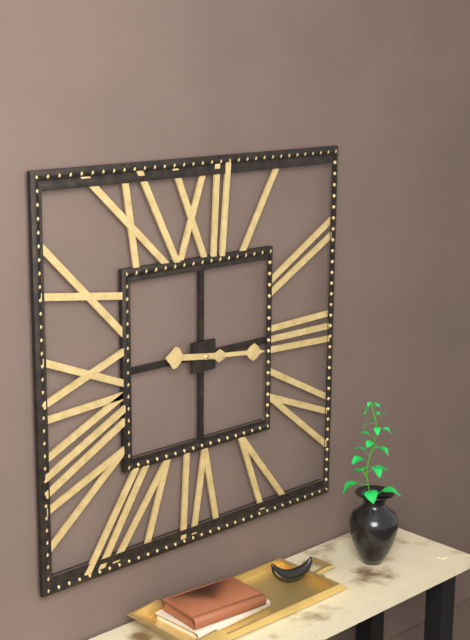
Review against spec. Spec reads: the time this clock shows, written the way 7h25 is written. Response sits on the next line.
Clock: 9h16
